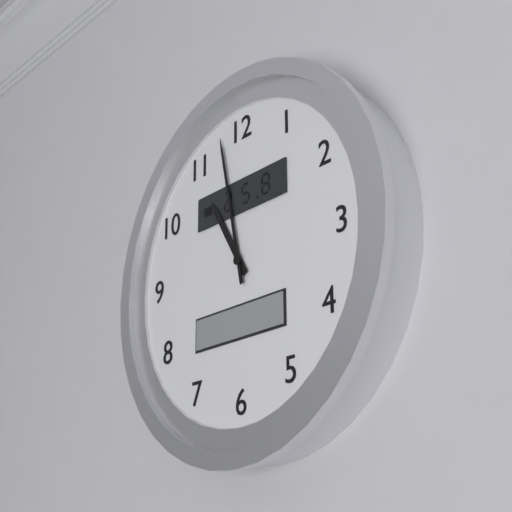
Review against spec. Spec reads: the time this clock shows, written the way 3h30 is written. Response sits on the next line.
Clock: 10h58
